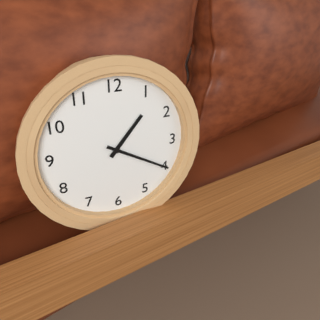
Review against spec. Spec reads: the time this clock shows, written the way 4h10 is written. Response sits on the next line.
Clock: 1h20
